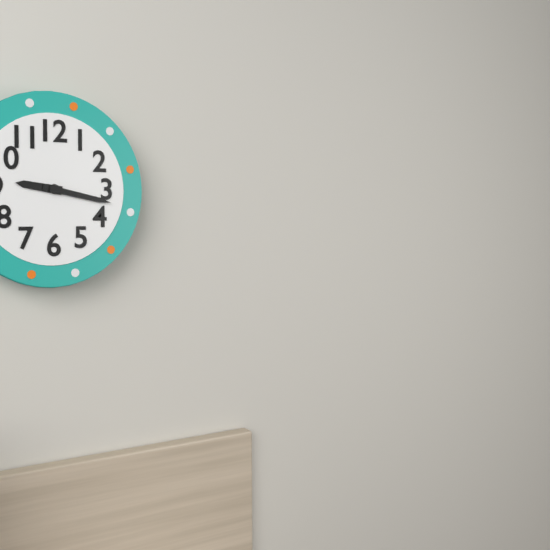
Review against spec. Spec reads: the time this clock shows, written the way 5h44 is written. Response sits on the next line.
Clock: 9h17
